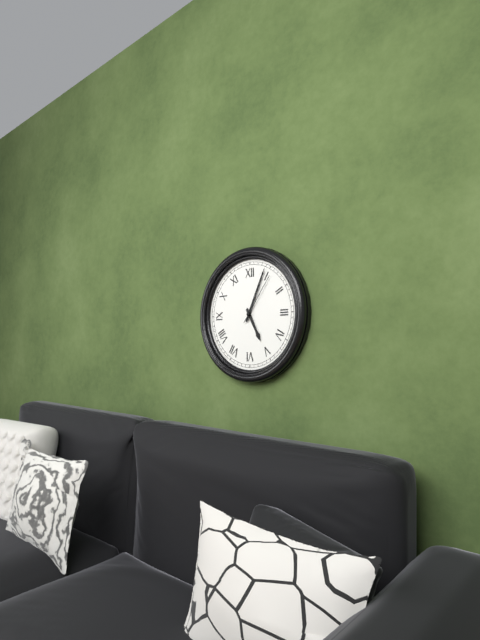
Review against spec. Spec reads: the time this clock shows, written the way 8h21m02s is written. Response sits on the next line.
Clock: 5h04m06s
